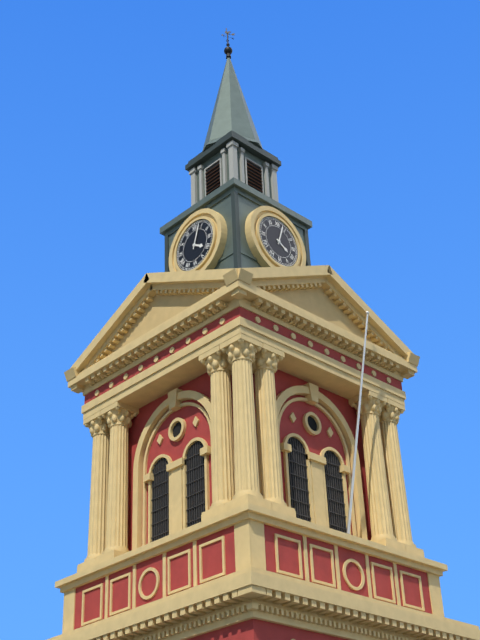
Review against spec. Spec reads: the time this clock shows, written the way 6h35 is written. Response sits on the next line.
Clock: 4h03
